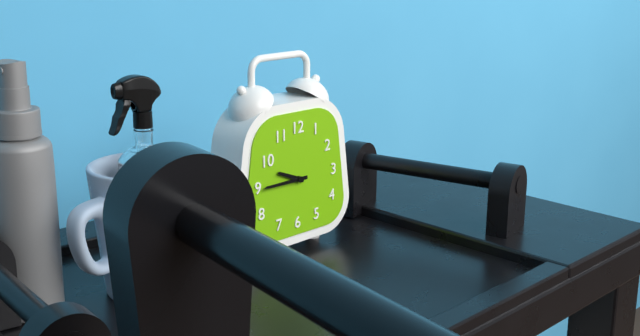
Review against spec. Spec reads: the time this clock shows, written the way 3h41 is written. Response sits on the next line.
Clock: 9h45
